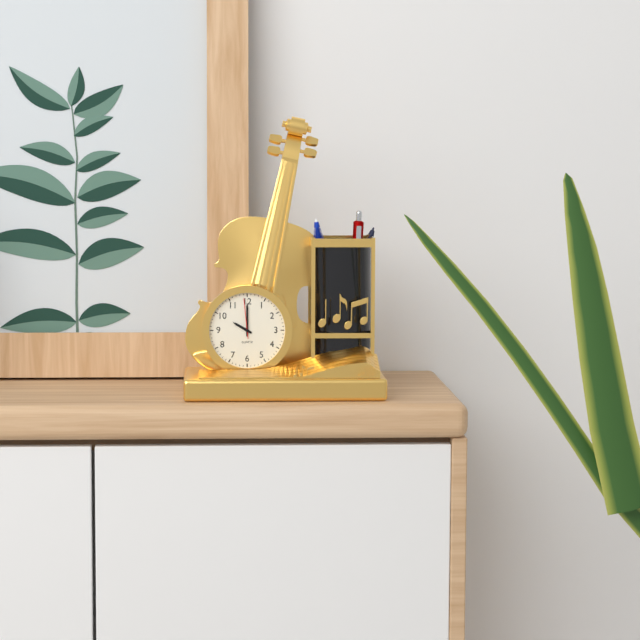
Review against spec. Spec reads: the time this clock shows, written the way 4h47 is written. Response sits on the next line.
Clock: 10h00
